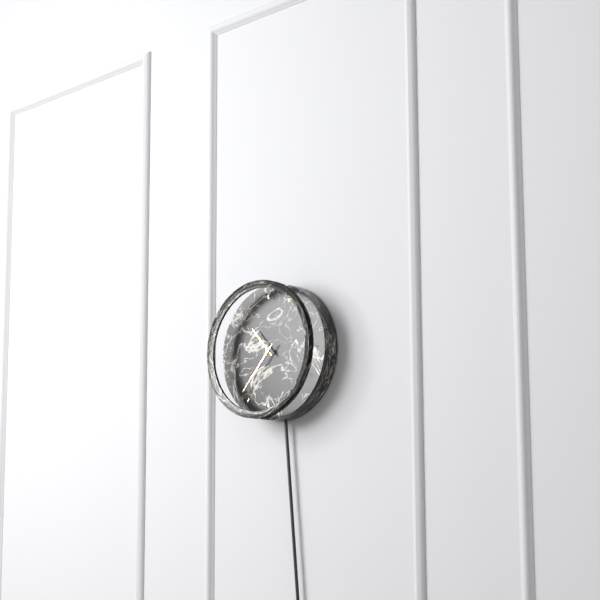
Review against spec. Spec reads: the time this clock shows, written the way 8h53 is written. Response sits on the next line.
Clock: 10h37
